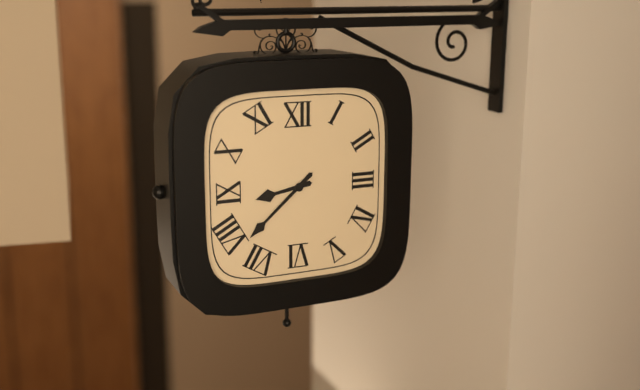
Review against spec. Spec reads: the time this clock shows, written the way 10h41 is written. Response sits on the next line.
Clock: 8h38
